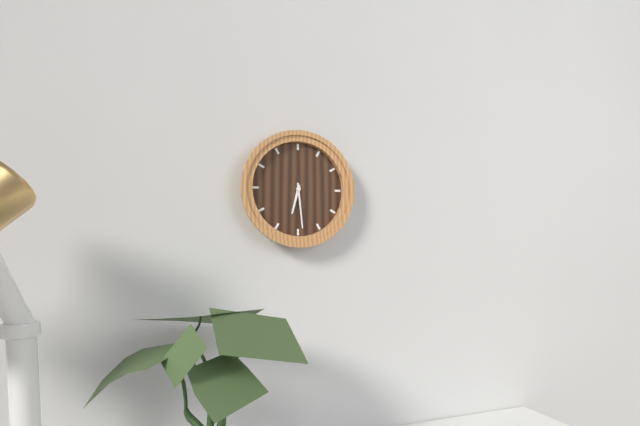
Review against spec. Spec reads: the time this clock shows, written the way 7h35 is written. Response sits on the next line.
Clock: 6h29
